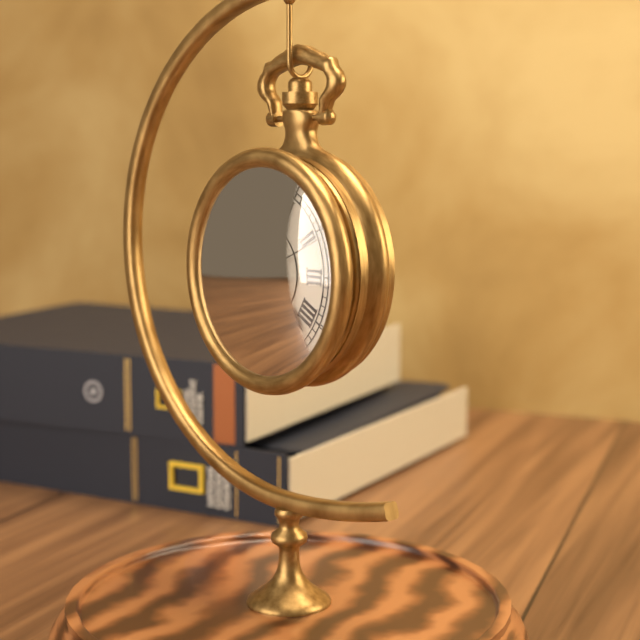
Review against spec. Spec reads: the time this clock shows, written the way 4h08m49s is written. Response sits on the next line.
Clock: 7h22m11s
